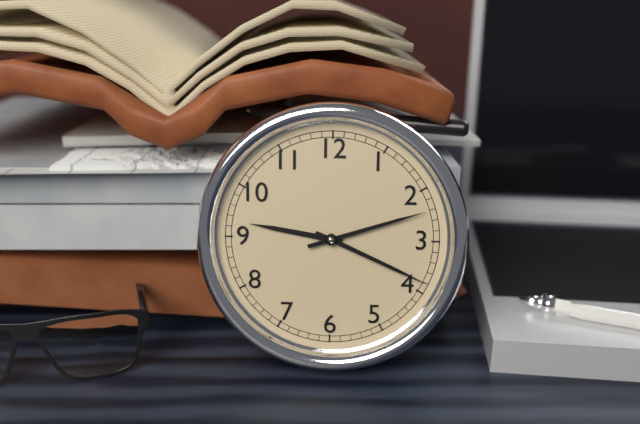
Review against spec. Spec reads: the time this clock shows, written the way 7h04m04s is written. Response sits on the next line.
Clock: 9h19m12s
